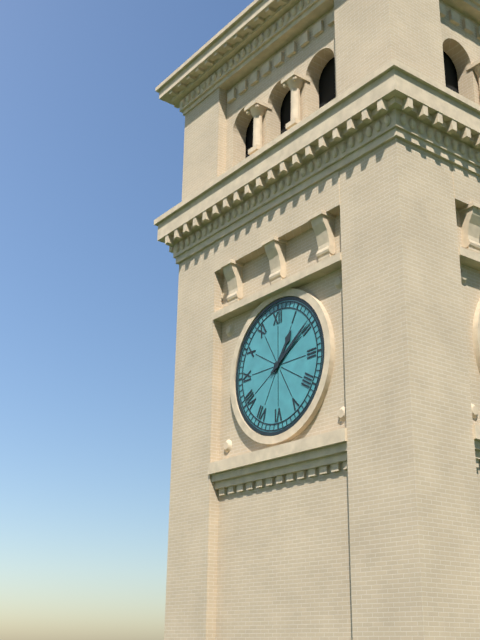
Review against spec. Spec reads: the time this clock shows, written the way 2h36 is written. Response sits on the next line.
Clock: 1h09
